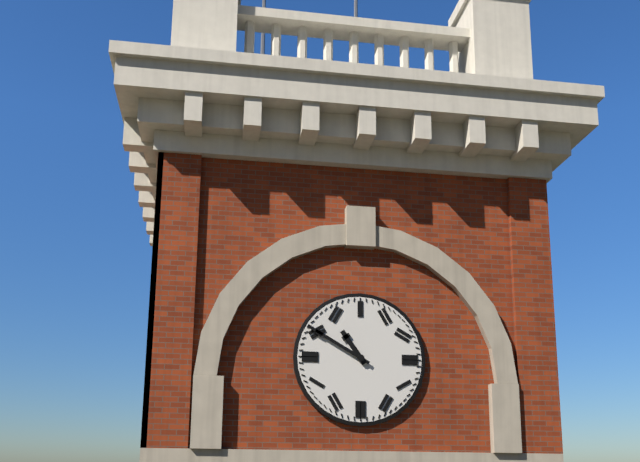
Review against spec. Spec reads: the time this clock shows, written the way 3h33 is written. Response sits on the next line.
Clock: 10h50
